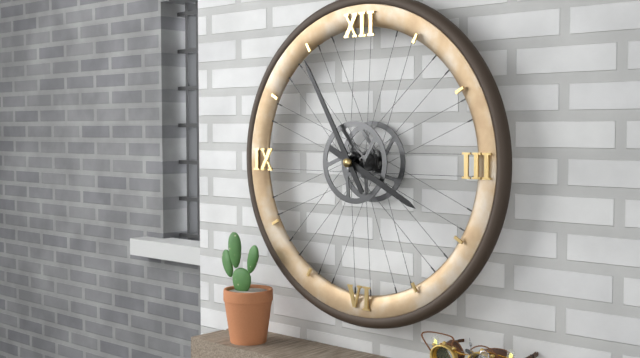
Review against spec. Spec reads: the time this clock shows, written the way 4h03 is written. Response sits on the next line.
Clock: 3h55
